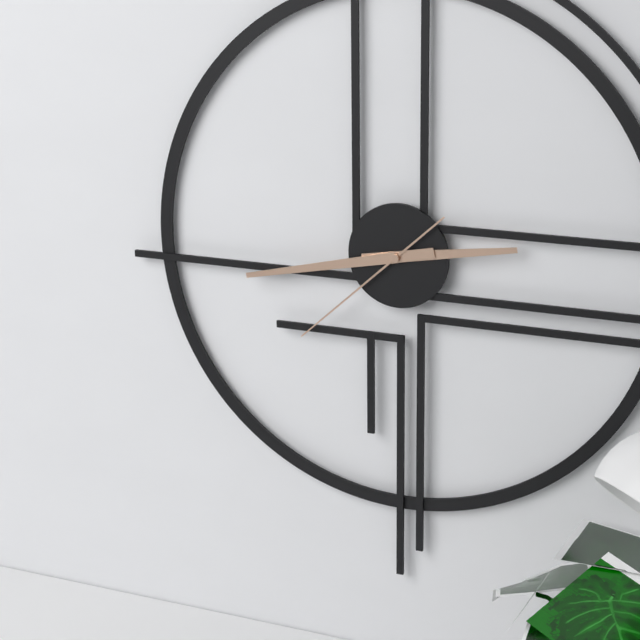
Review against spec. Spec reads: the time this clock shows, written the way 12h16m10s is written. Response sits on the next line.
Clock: 2h43m38s
